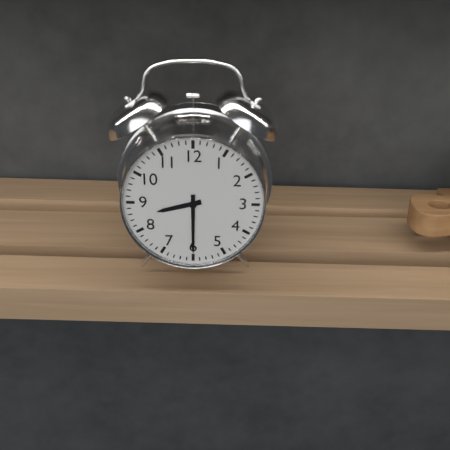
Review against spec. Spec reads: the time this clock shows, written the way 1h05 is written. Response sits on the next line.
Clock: 8h30
